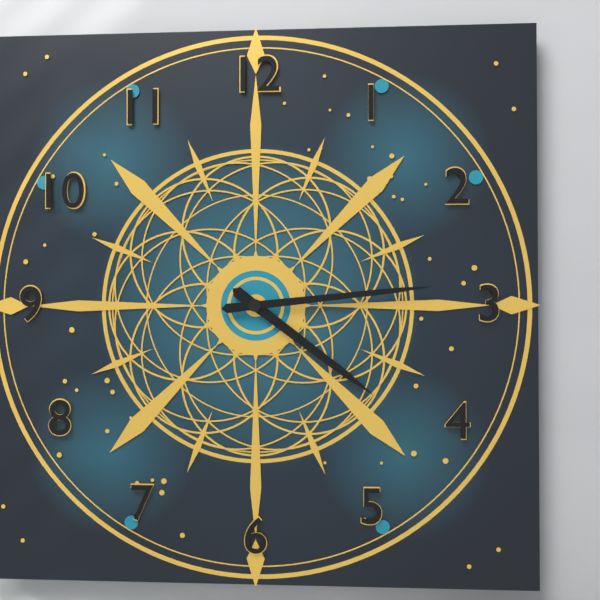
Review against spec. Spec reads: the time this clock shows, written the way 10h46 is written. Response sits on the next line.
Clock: 4h14
